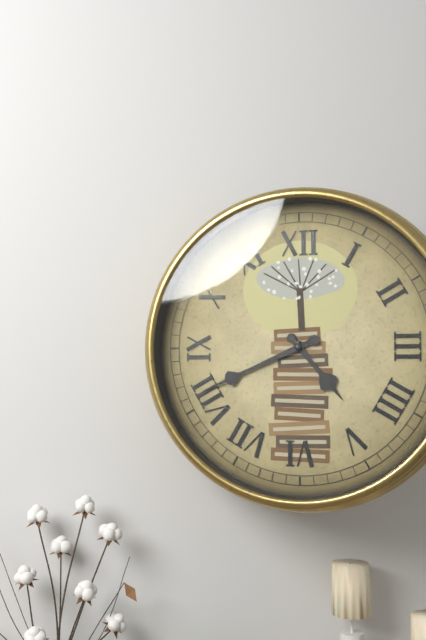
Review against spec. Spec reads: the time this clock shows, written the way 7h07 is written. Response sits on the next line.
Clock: 4h41
